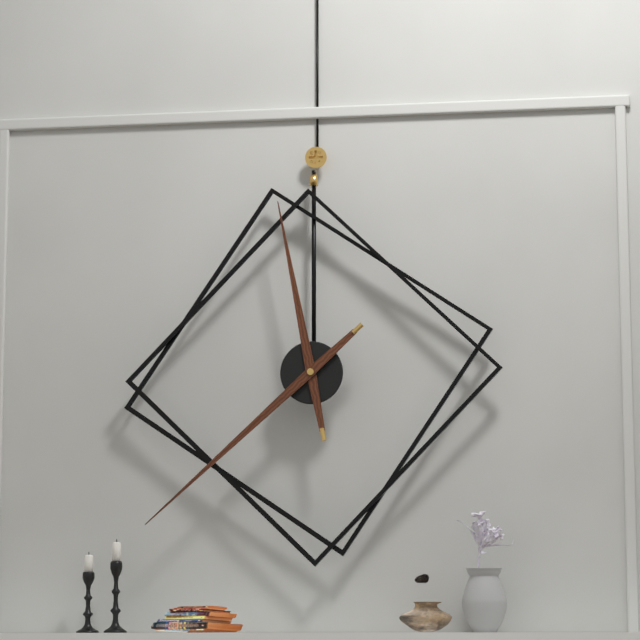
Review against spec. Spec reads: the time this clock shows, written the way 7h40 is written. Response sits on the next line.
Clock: 11h38
